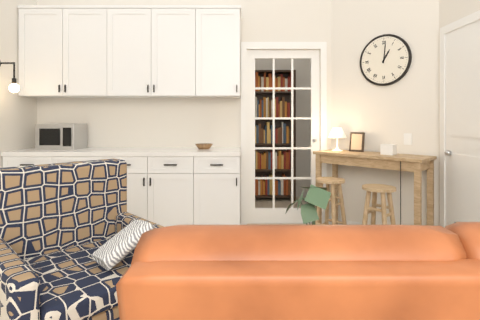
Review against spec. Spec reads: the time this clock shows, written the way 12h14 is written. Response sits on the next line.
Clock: 1h01
